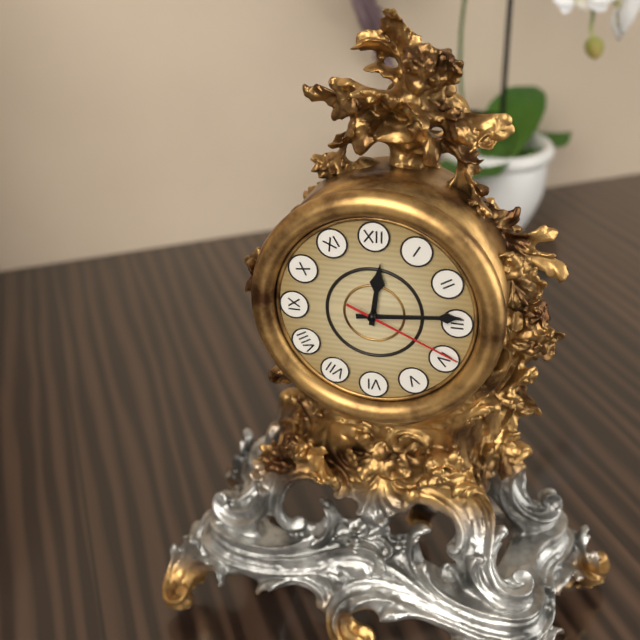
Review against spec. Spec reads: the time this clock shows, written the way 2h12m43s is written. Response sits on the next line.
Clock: 12h14m19s
